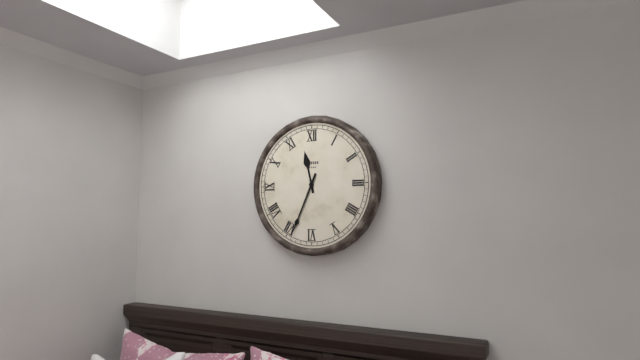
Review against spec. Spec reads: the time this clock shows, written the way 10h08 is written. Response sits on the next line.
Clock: 11h34
